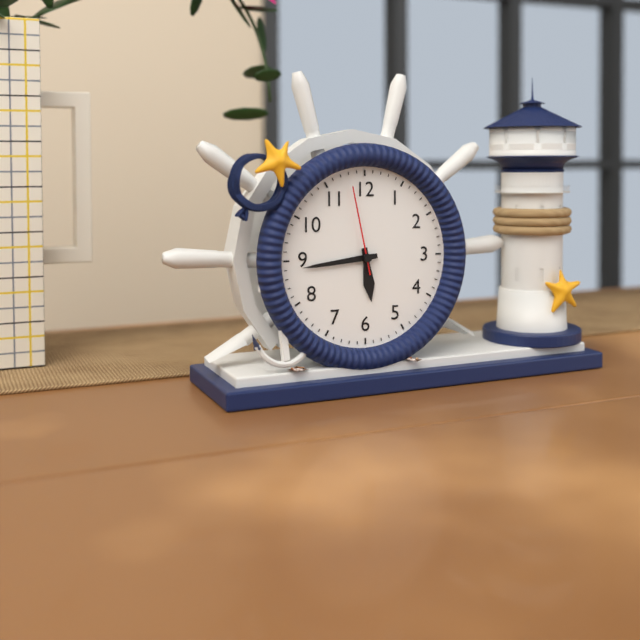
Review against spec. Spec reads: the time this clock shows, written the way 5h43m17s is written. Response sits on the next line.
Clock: 5h44m58s
